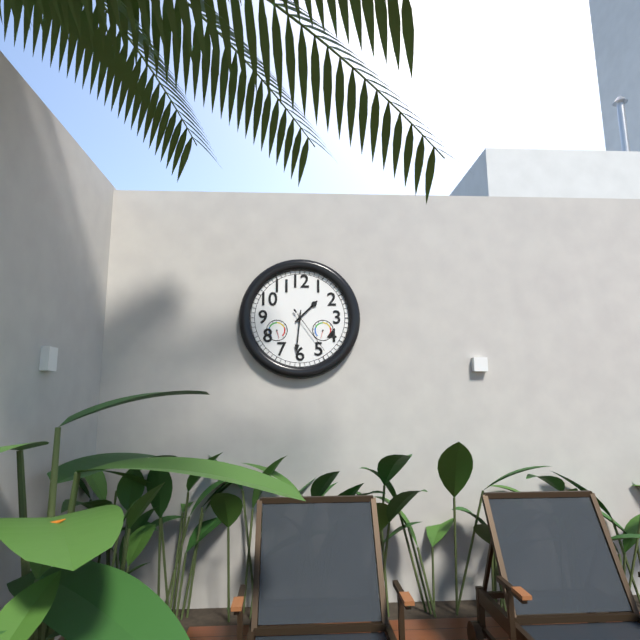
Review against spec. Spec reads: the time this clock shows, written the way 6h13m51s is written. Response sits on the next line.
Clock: 1h31m24s
